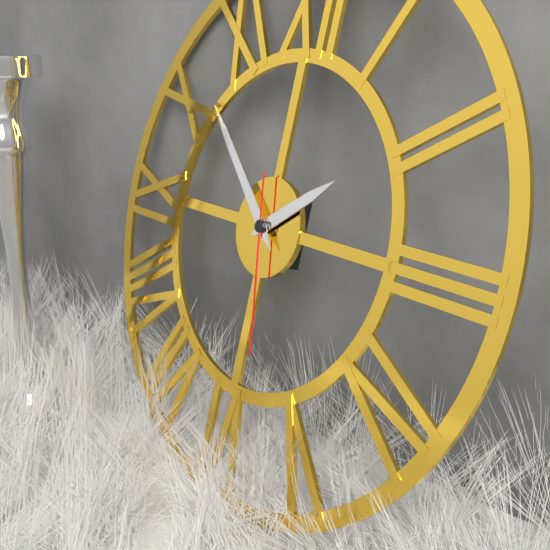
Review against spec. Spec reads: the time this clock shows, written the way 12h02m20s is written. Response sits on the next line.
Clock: 1h52m28s
